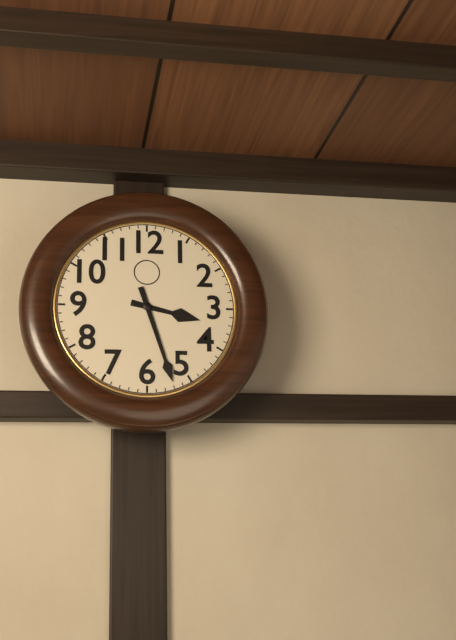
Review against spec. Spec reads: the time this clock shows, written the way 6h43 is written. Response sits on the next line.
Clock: 3h27
